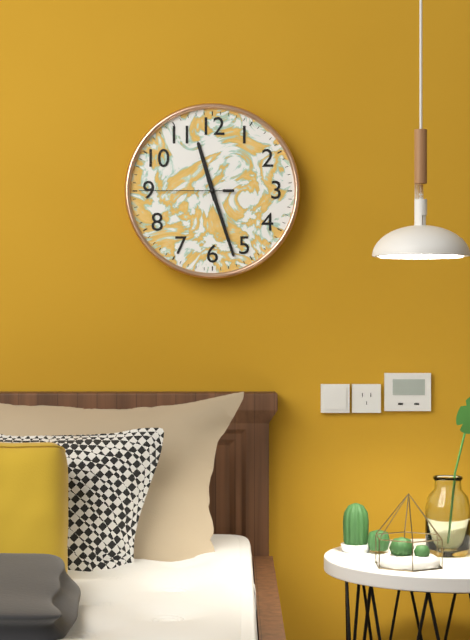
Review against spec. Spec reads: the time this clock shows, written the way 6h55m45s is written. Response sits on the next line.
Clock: 11h27m45s
